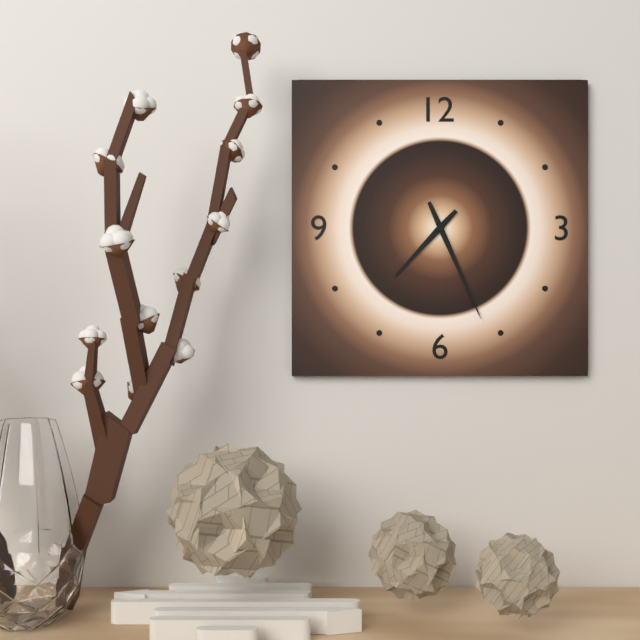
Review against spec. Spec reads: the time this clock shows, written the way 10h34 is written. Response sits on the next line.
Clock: 7h26
